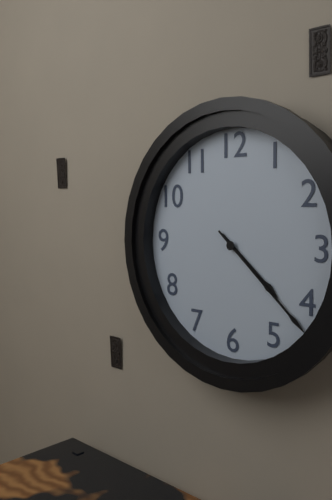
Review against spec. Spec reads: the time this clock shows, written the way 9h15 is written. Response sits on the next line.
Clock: 4h22
